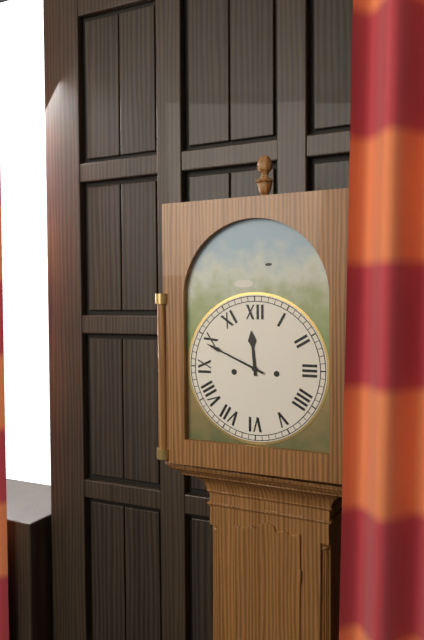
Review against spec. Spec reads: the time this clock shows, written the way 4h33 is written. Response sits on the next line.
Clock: 11h49
